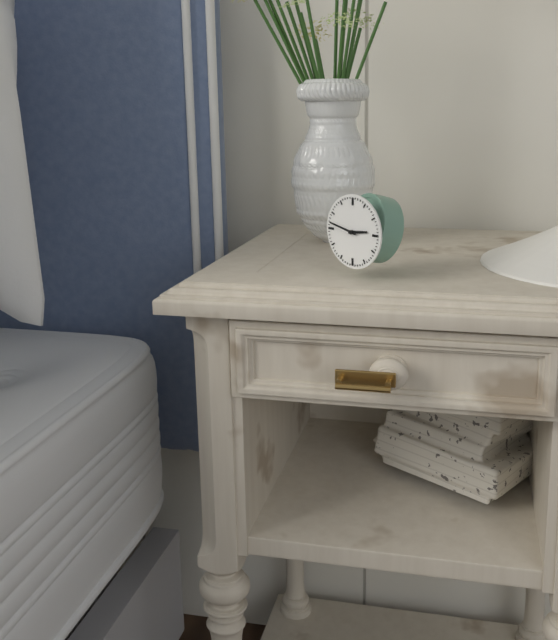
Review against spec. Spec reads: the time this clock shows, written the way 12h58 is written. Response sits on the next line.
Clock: 2h47
